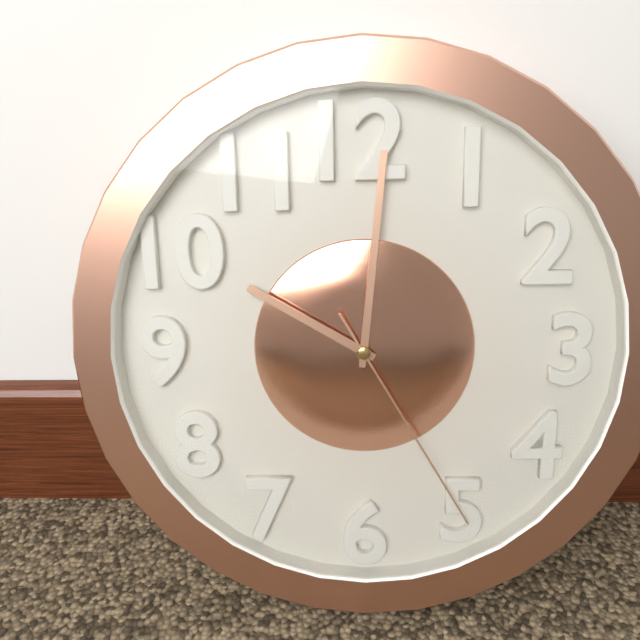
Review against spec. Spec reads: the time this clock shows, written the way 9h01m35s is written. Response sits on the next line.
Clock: 10h01m25s
